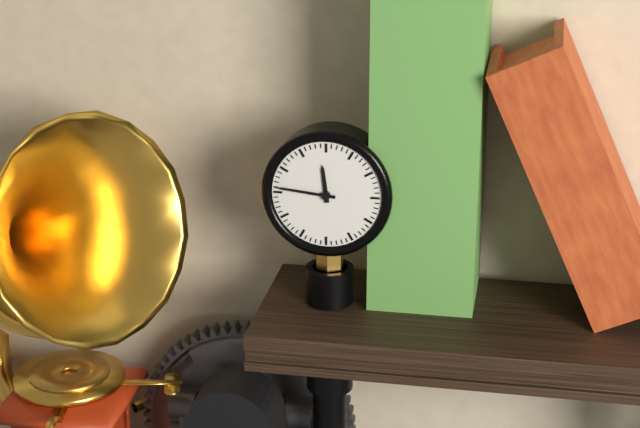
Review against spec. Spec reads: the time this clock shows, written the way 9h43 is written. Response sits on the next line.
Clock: 11h46
